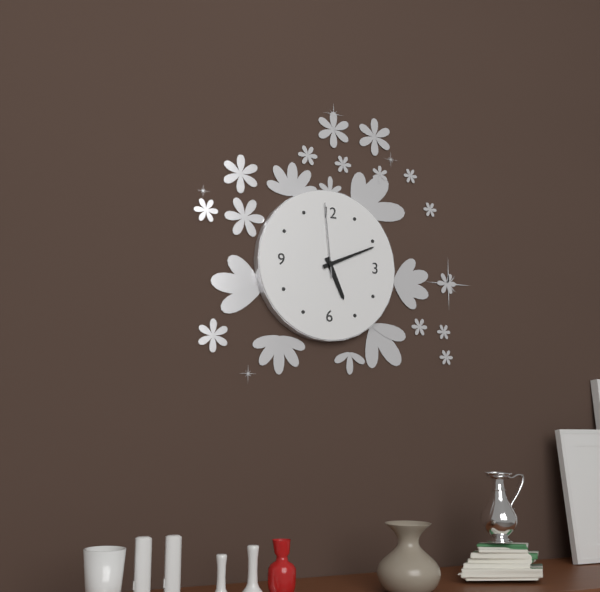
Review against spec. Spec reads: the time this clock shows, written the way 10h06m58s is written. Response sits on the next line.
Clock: 5h11m59s
